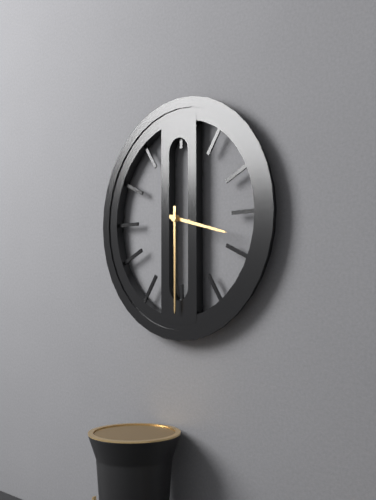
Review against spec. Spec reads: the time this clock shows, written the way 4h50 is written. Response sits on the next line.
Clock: 3h30
